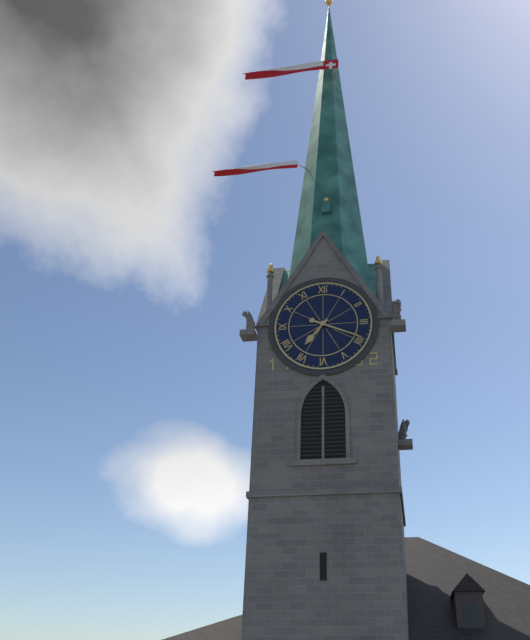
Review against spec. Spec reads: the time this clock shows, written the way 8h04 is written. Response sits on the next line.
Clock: 7h19
